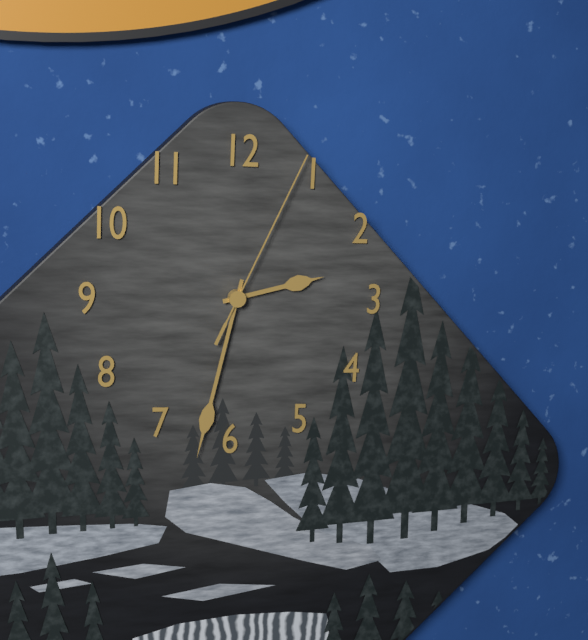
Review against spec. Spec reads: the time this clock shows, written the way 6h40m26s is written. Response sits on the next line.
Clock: 2h32m04s
